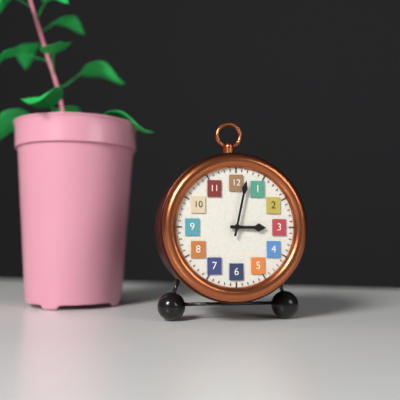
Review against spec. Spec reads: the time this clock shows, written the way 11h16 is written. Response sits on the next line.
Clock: 3h02
